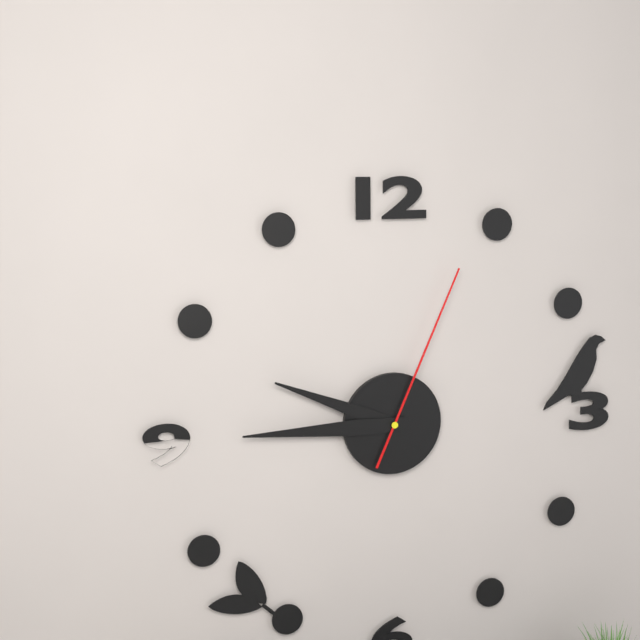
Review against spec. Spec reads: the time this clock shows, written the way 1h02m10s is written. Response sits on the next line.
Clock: 9h45m04s
